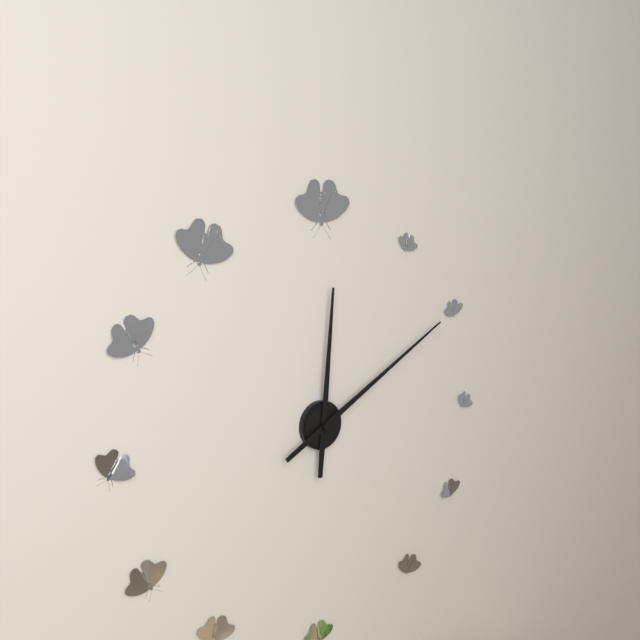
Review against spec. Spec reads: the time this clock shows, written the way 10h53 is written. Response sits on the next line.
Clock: 12h10
